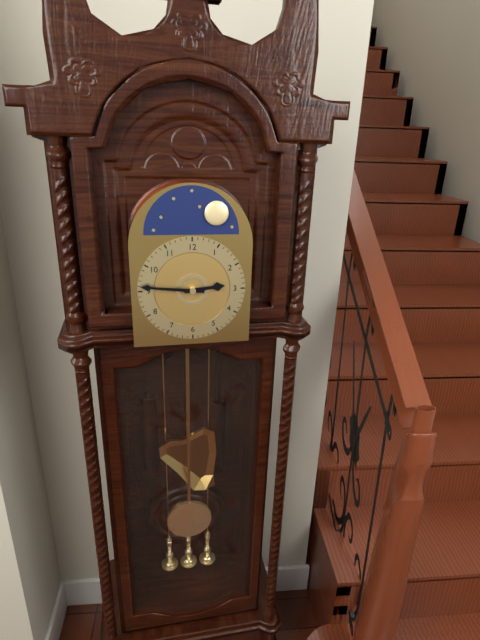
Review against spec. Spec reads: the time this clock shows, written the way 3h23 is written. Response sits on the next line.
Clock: 2h46
